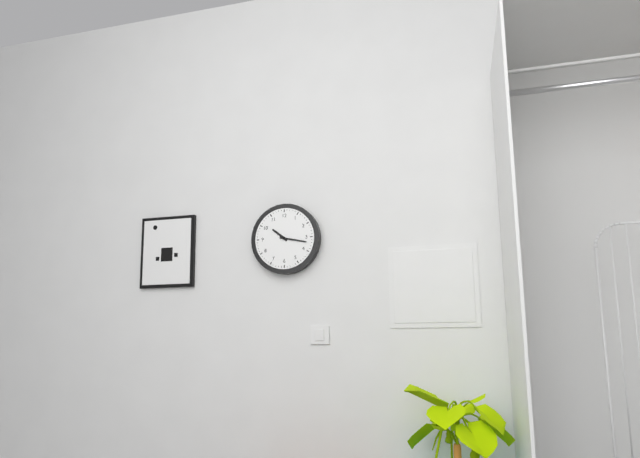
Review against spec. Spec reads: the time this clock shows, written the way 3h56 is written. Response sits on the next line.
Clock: 10h17
